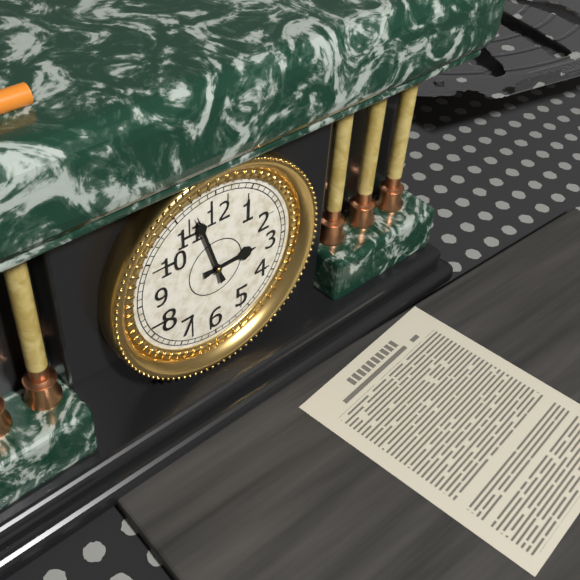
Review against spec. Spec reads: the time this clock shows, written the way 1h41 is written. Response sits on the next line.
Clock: 2h57
